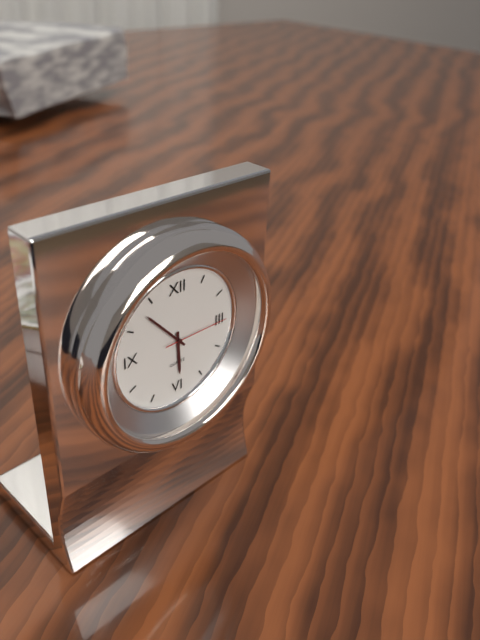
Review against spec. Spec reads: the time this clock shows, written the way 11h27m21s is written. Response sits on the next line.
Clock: 5h53m15s
